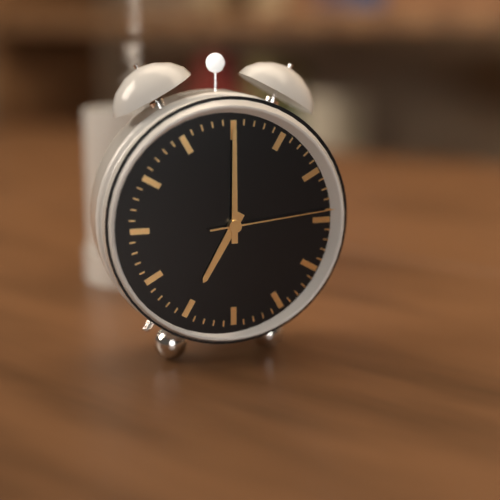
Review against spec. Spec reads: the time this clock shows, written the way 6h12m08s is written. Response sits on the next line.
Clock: 7h00m14s
